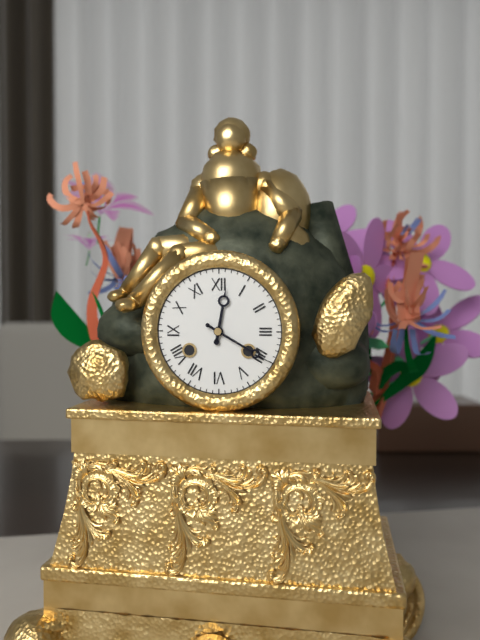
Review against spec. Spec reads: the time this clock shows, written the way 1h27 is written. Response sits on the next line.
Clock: 12h20
